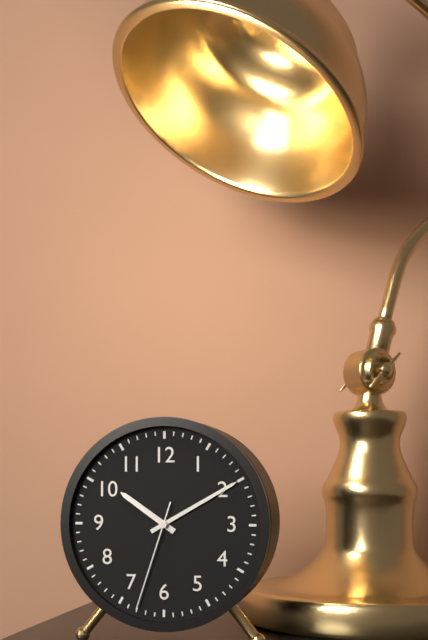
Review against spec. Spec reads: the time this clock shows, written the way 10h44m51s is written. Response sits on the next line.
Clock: 10h10m33s
